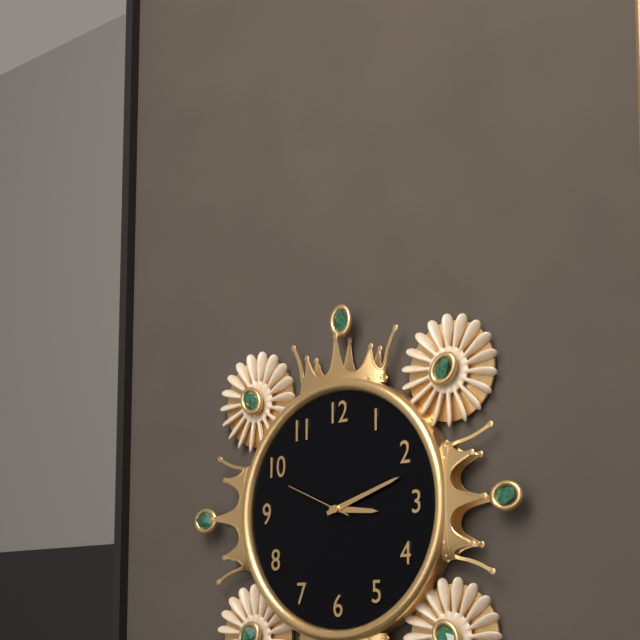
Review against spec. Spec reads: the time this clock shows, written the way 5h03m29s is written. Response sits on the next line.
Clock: 3h12m49s
